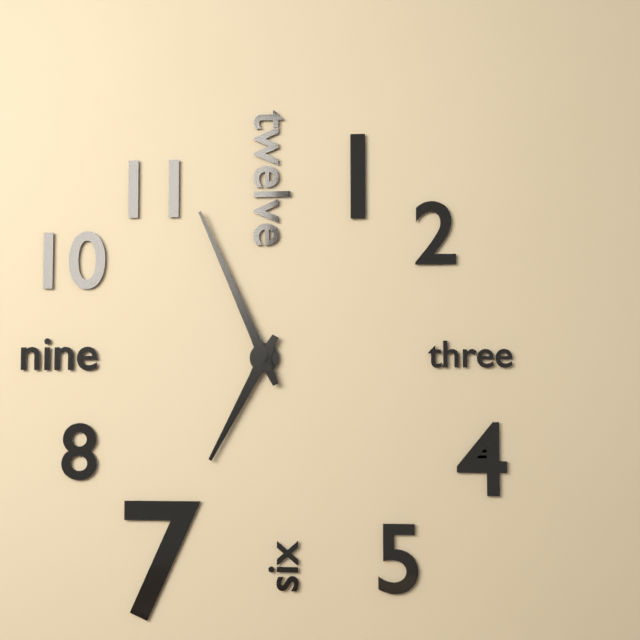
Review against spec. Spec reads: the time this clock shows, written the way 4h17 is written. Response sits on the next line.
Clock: 6h56
